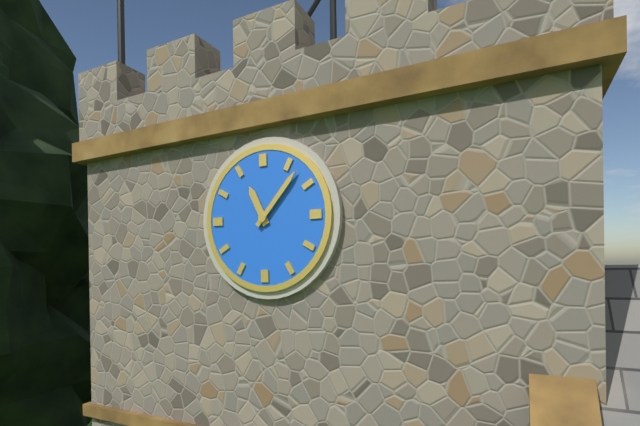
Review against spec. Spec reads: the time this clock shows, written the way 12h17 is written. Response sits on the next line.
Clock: 11h07
